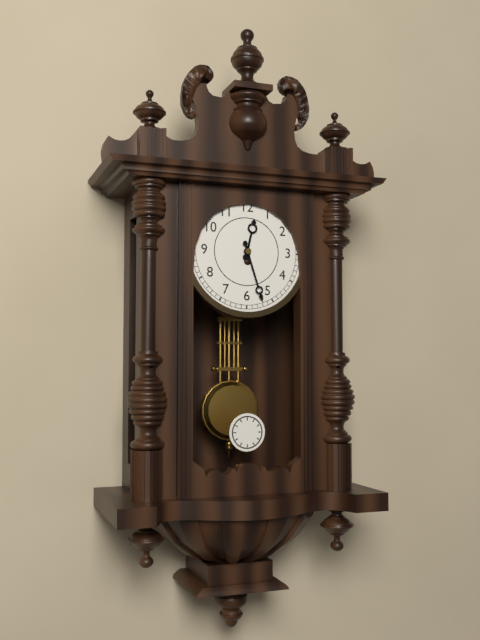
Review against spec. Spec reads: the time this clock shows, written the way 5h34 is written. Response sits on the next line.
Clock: 12h27
